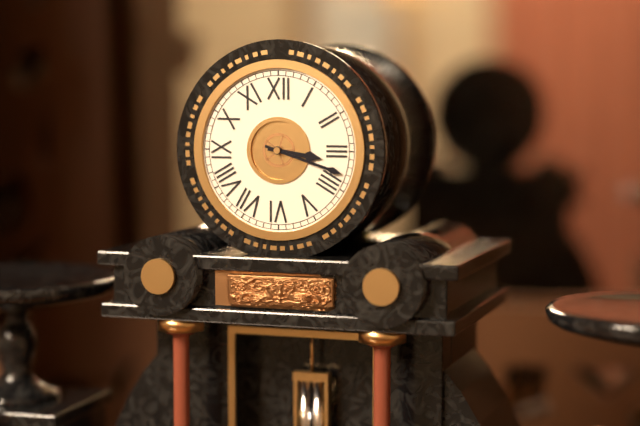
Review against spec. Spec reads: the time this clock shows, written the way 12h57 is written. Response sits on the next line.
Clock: 3h18
